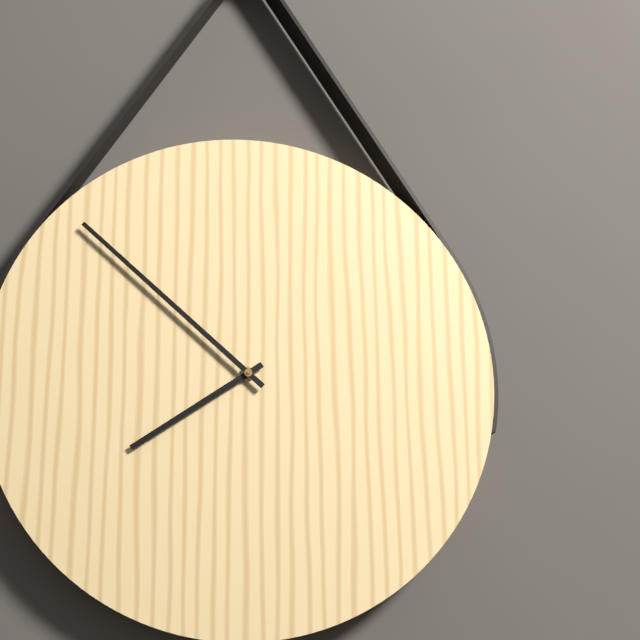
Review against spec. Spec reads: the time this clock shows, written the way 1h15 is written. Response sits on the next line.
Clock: 7h52
